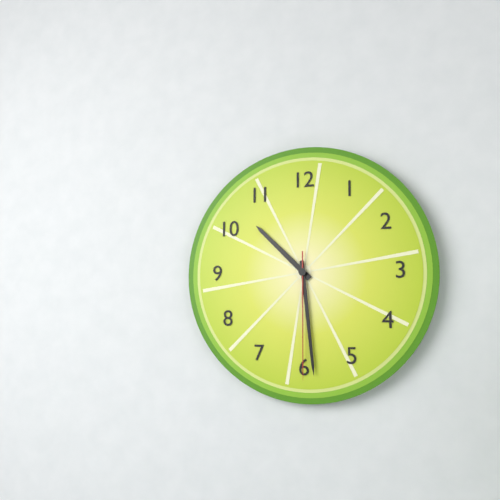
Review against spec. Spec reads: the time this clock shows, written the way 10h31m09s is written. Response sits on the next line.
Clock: 10h29m30s
